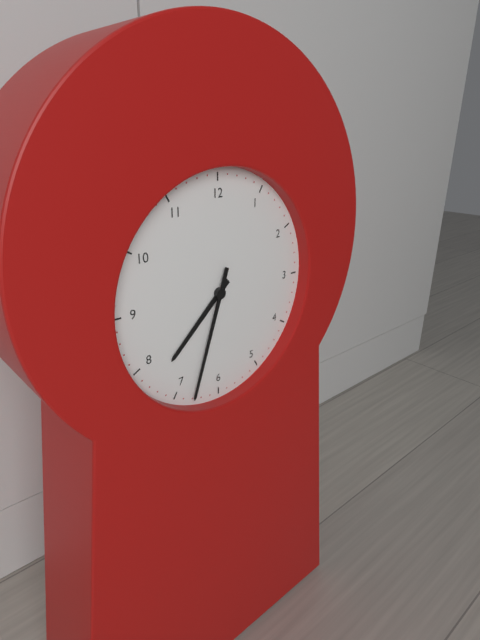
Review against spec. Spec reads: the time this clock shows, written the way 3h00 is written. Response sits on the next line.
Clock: 7h33
